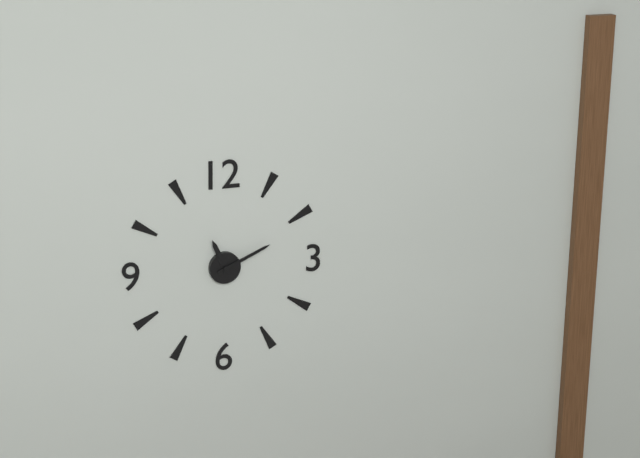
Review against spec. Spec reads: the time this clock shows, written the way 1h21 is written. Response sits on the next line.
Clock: 11h11
